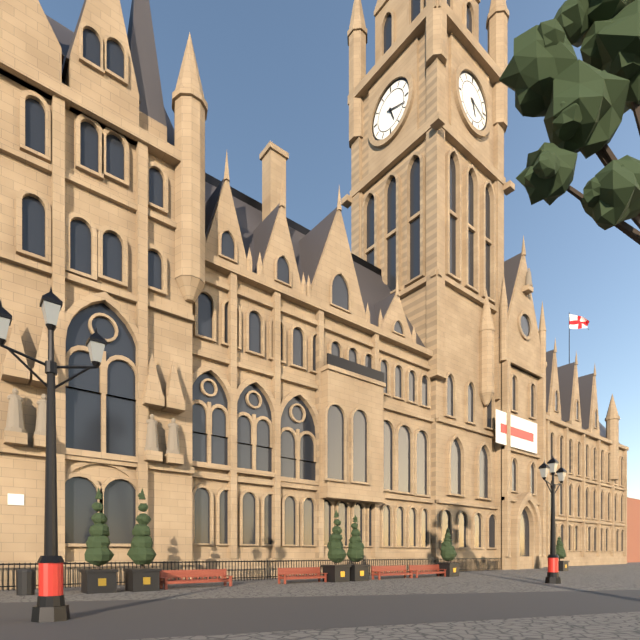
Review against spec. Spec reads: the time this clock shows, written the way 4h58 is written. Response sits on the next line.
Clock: 5h18
